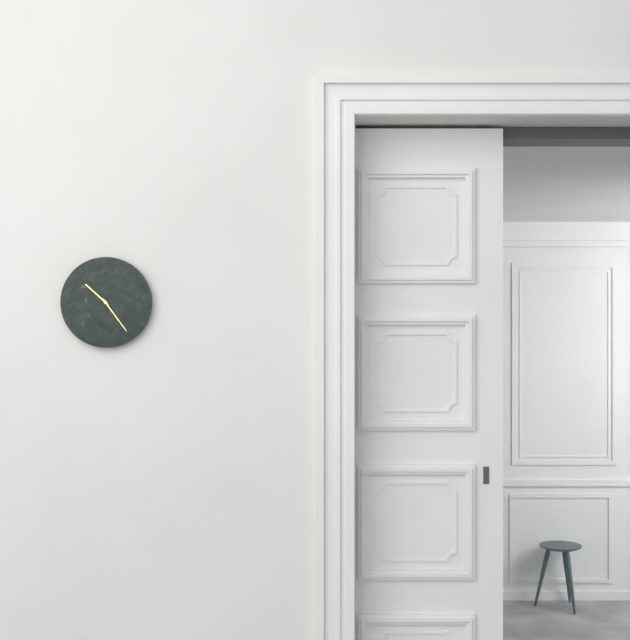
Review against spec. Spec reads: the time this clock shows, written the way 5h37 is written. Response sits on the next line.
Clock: 10h24
